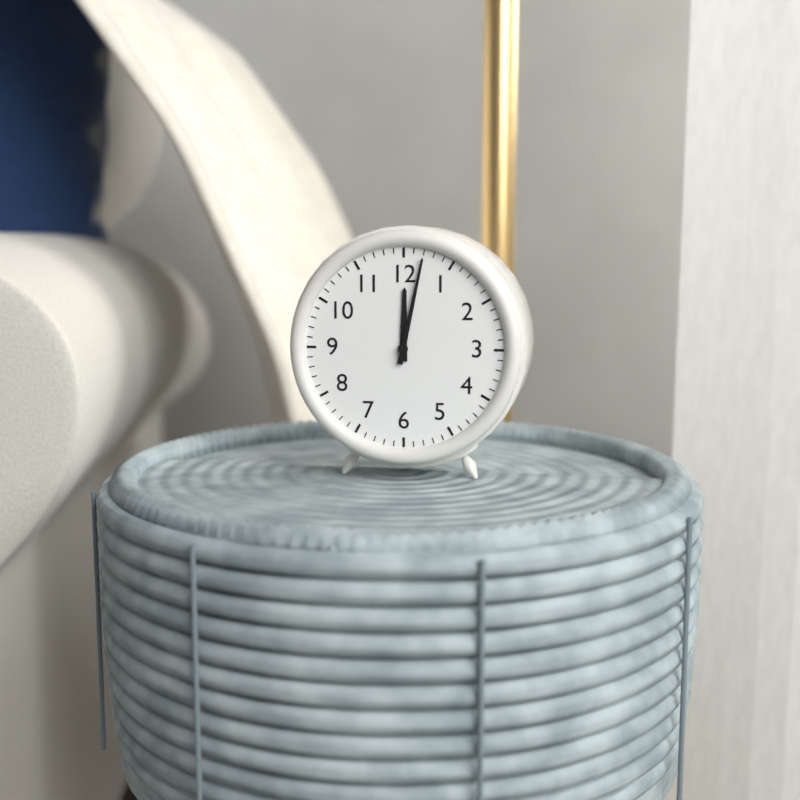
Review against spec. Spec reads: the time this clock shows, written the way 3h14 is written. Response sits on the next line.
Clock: 12h02
